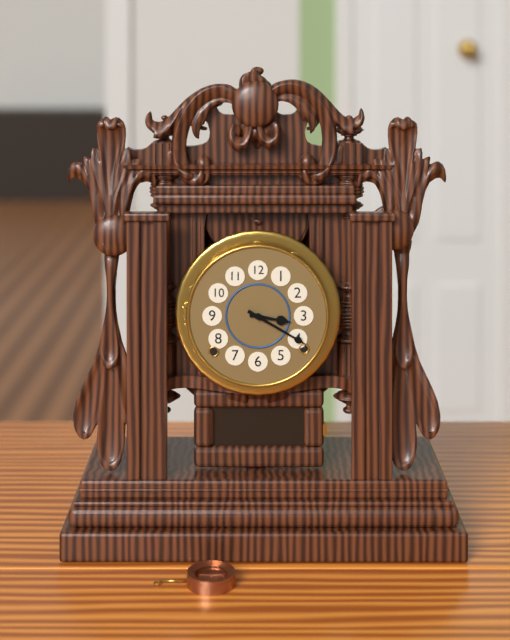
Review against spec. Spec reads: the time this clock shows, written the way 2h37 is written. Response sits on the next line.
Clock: 3h20
